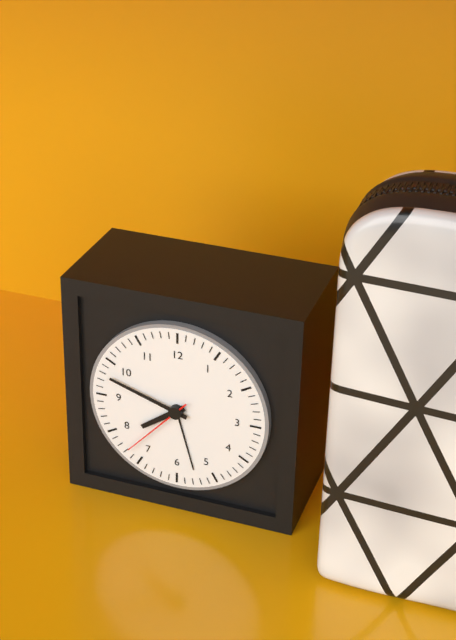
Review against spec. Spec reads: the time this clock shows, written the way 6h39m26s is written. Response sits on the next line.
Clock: 7h48m37s
